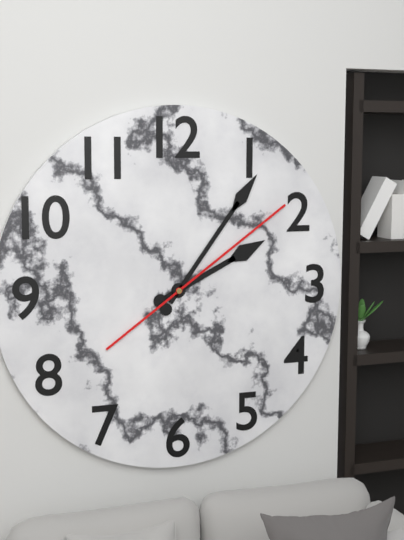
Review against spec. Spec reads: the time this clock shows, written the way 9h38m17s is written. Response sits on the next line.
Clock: 2h06m09s
